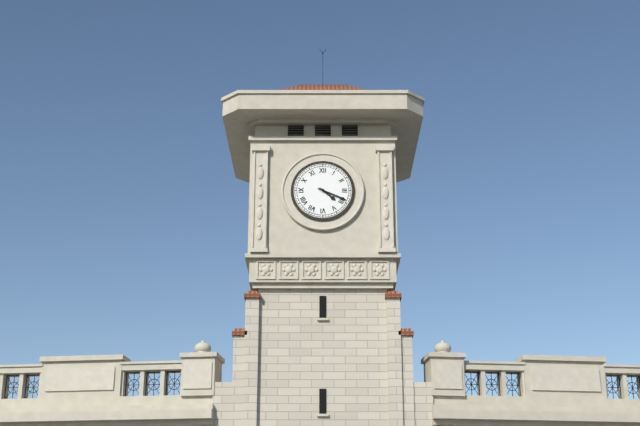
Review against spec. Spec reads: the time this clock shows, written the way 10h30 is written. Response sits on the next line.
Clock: 4h19
